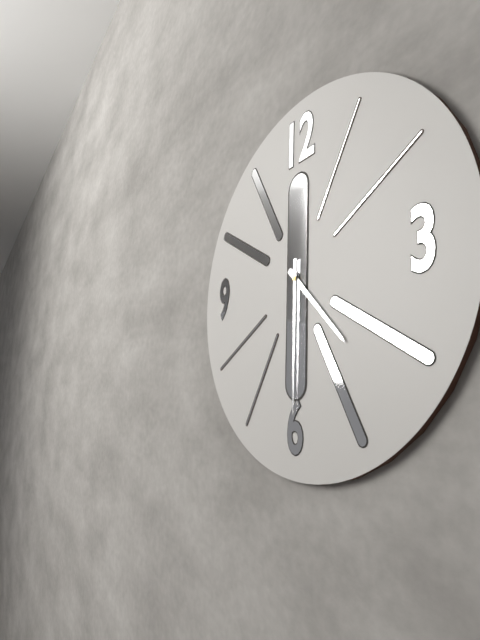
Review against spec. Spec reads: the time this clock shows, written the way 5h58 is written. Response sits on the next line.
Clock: 4h30
